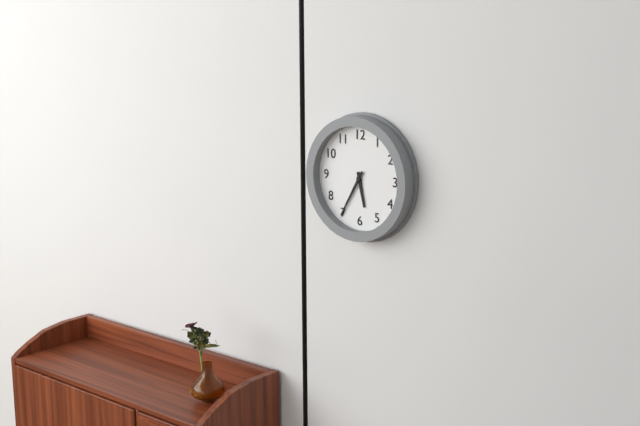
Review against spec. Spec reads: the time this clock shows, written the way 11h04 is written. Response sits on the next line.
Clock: 5h35
